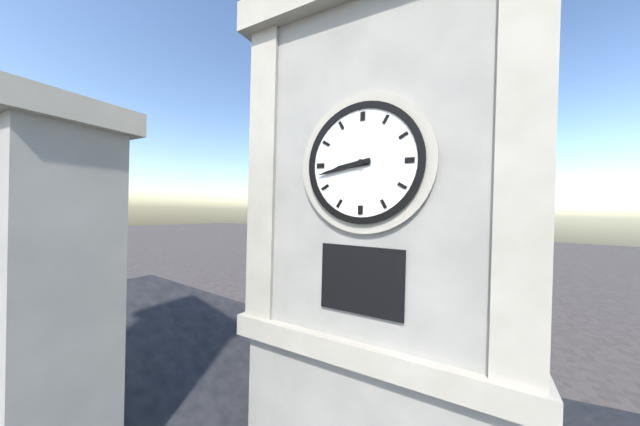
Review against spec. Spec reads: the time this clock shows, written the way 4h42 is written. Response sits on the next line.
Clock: 8h43
